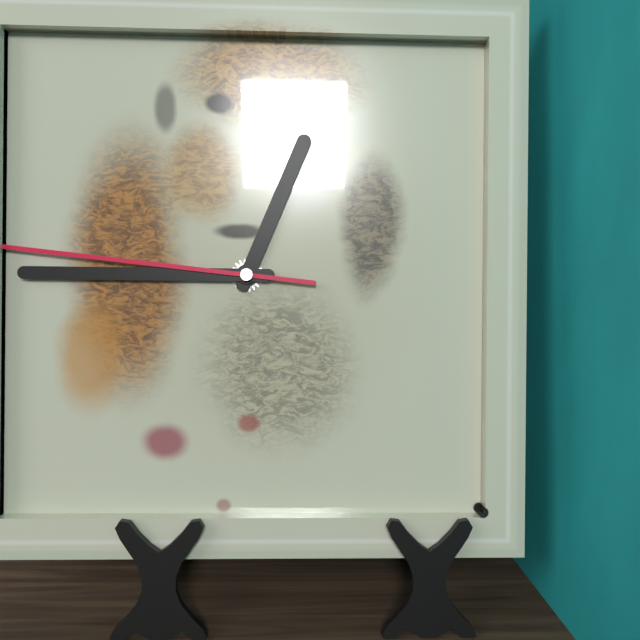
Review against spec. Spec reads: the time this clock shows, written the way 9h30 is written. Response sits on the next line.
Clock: 12h45
